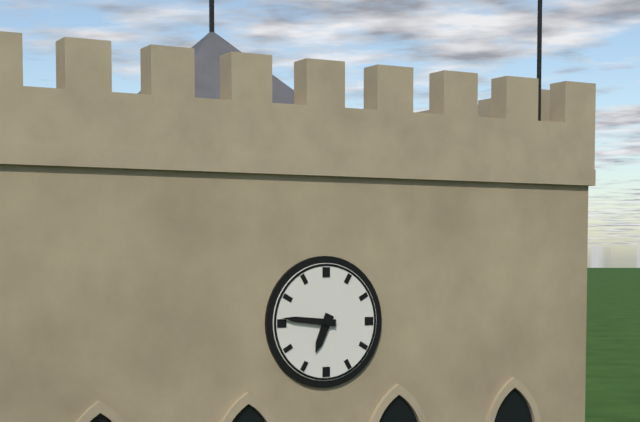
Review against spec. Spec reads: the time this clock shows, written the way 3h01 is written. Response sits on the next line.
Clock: 6h46
